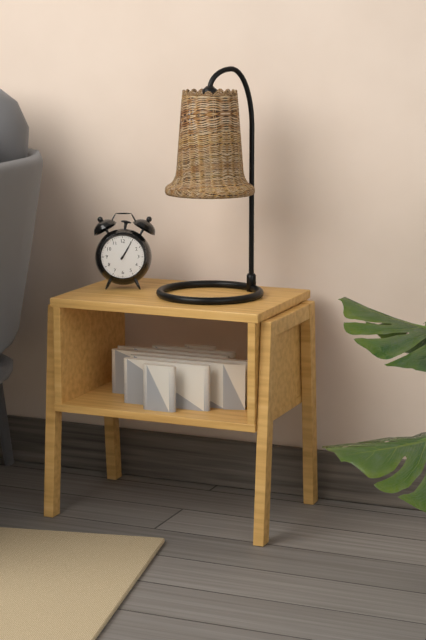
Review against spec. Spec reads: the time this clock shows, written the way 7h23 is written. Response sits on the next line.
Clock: 1h05
